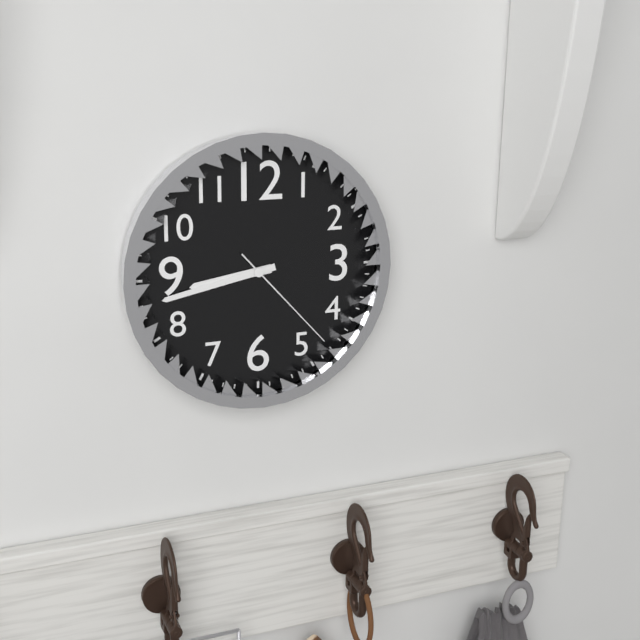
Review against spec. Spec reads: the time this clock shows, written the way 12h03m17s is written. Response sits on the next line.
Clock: 8h43m23s
